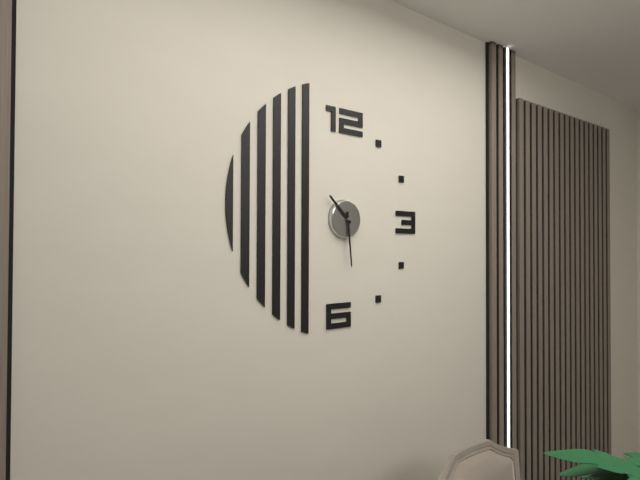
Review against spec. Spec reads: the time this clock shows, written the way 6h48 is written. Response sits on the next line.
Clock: 10h29
